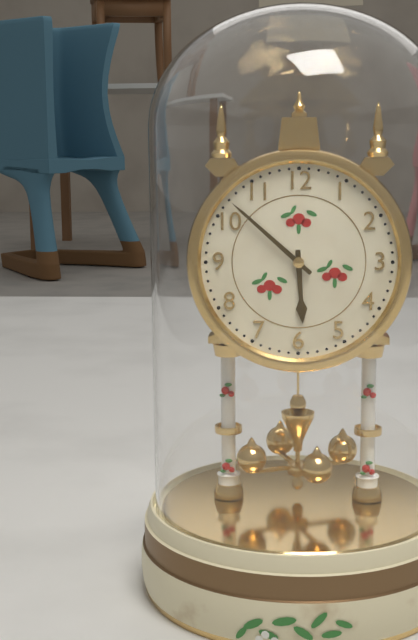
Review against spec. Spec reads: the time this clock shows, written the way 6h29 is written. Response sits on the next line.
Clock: 5h52
